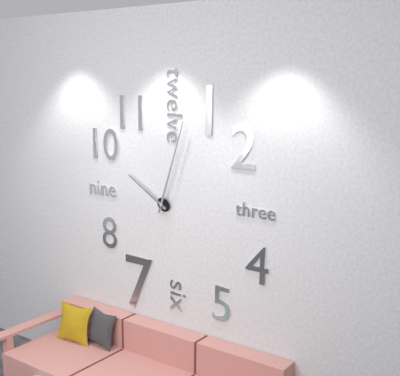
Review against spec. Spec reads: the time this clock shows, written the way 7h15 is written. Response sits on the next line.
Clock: 10h03
